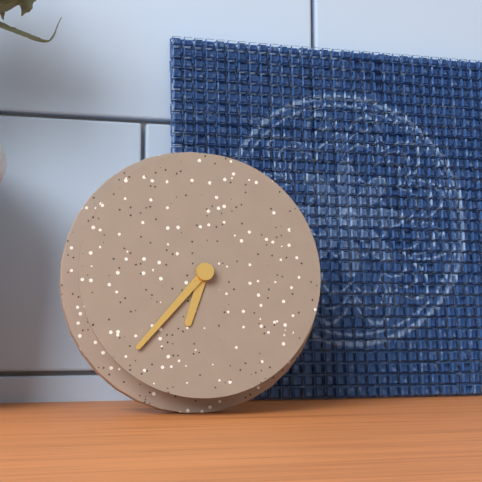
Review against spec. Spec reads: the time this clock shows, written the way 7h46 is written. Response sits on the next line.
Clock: 6h37
